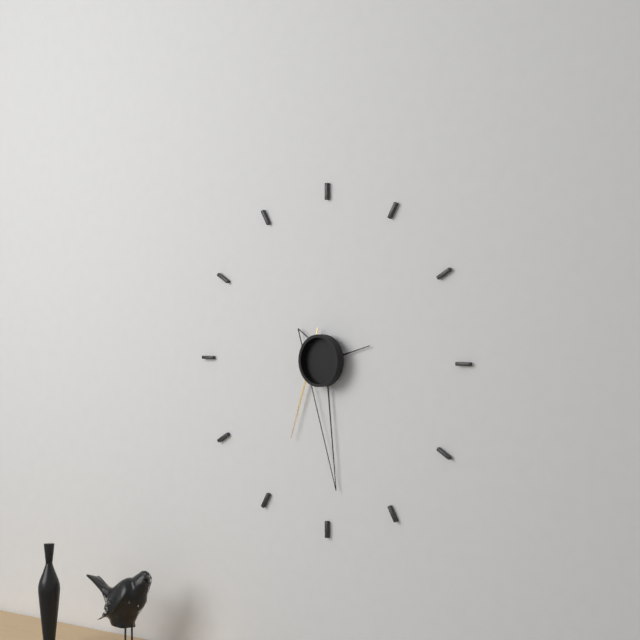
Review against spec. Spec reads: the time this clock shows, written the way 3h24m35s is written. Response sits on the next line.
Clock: 2h29m35s
